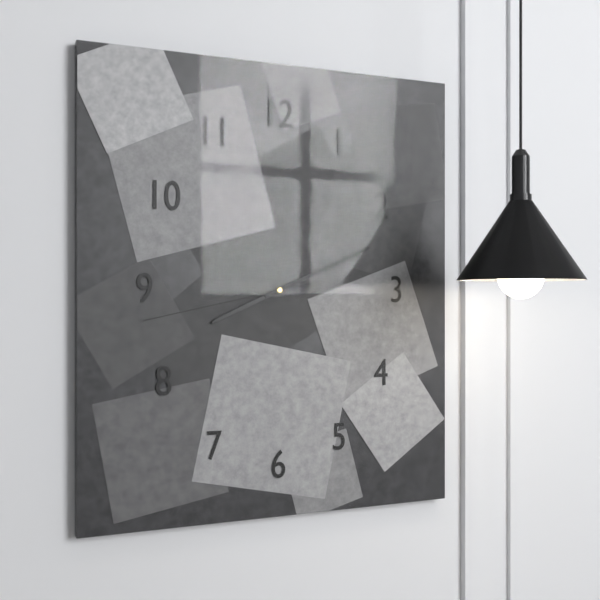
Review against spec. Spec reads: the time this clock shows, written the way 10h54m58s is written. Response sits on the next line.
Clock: 8h11m43s
